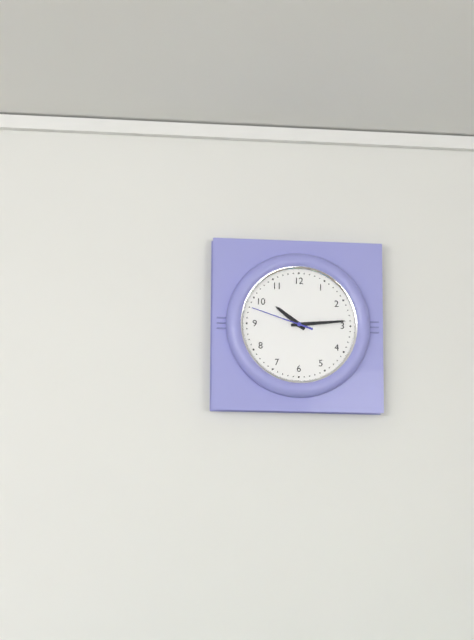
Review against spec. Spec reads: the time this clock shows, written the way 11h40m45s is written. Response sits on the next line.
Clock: 10h14m48s
